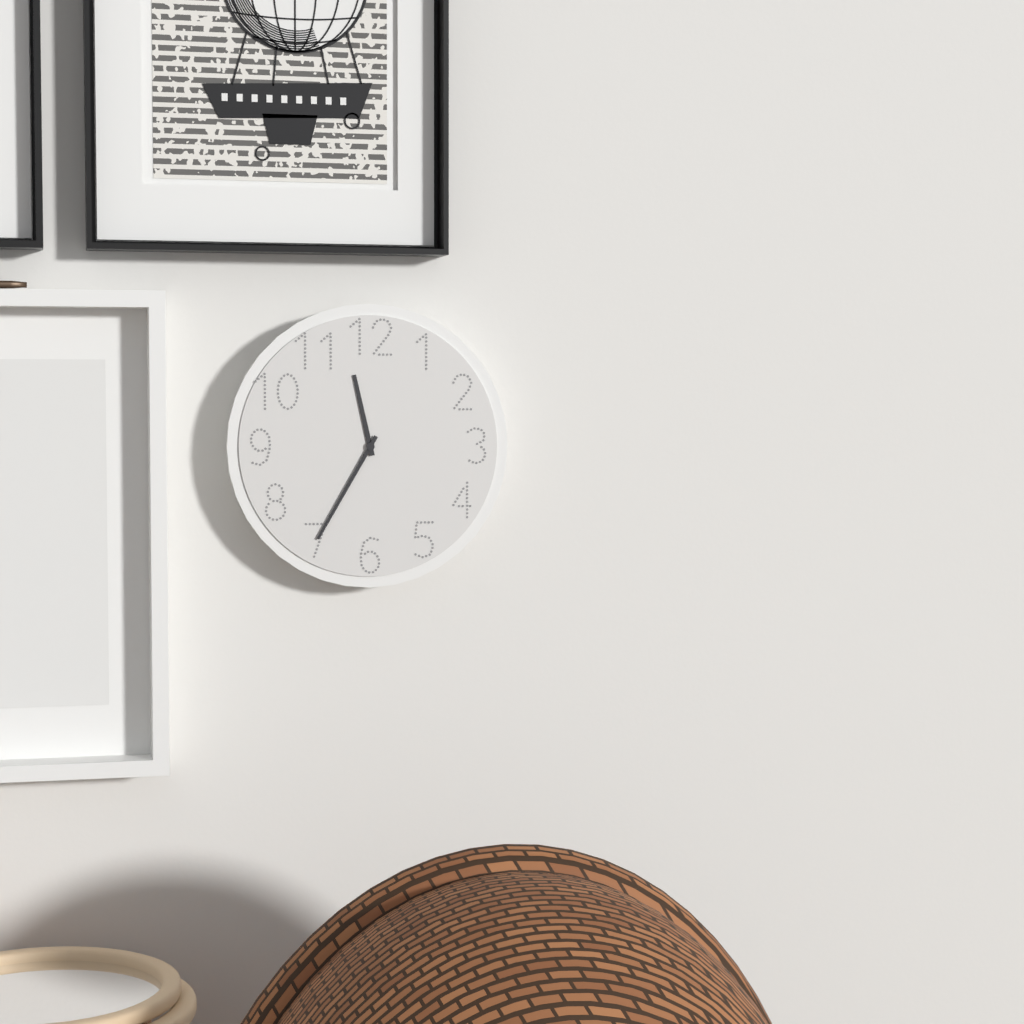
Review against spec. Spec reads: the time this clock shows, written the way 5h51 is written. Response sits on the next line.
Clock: 11h35
